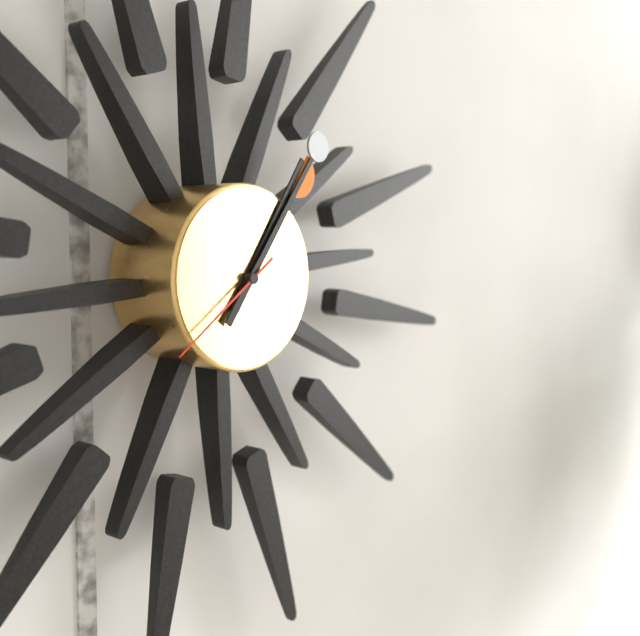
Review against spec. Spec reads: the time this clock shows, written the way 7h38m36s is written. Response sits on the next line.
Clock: 1h06m39s
